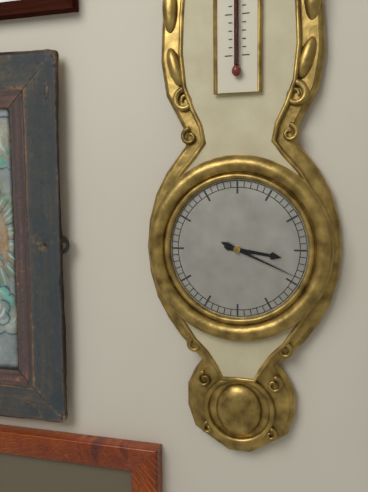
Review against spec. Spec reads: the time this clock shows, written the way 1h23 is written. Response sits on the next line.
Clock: 3h19
